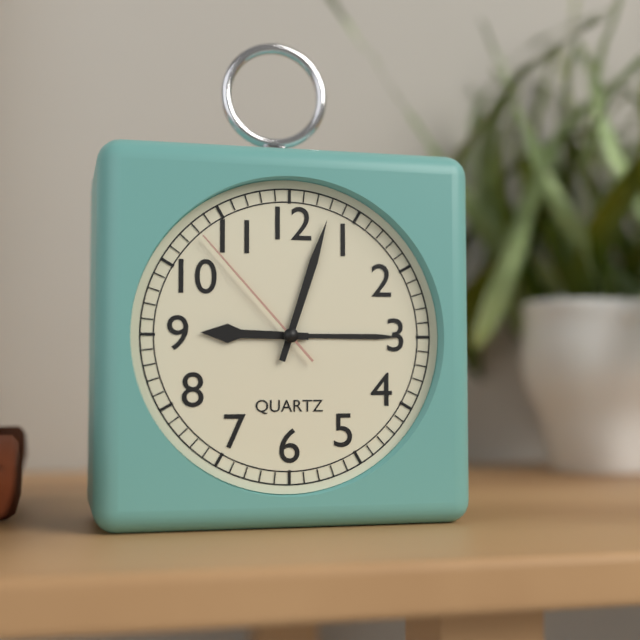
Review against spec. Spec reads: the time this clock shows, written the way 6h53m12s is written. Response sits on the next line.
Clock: 9h03m53s
